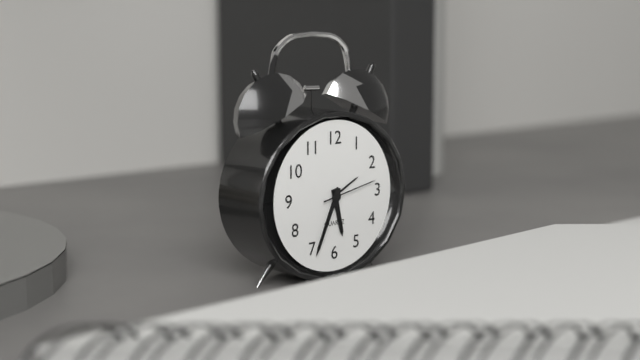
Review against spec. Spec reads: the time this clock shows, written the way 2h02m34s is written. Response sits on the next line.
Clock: 5h34m13s
